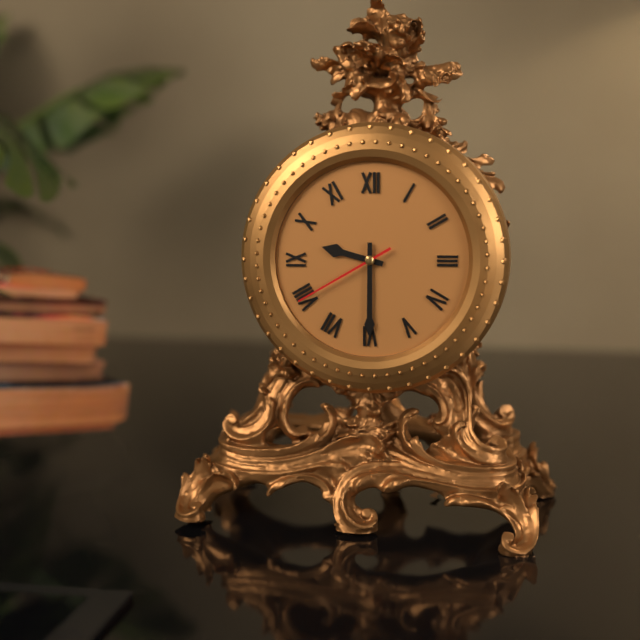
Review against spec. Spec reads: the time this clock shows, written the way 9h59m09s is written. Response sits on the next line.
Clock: 9h30m40s
